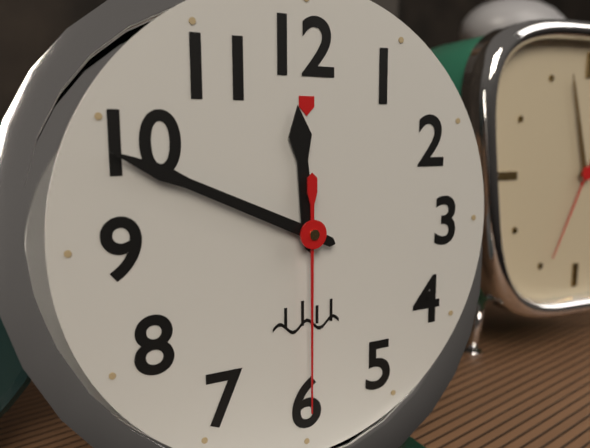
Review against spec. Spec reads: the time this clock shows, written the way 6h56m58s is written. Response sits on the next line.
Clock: 11h49m30s
